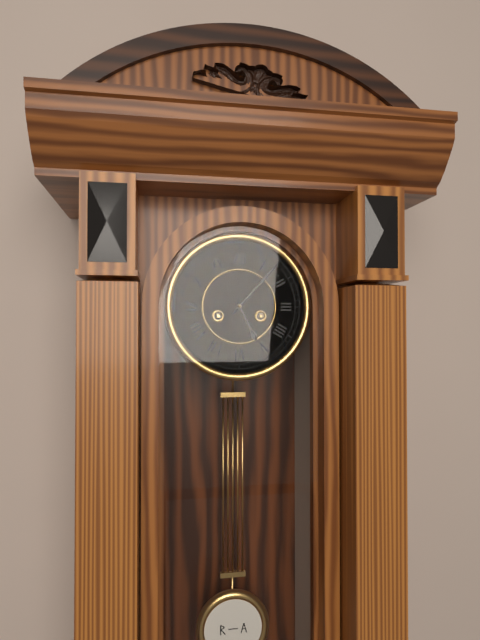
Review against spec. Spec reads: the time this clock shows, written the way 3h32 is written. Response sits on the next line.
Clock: 5h07
